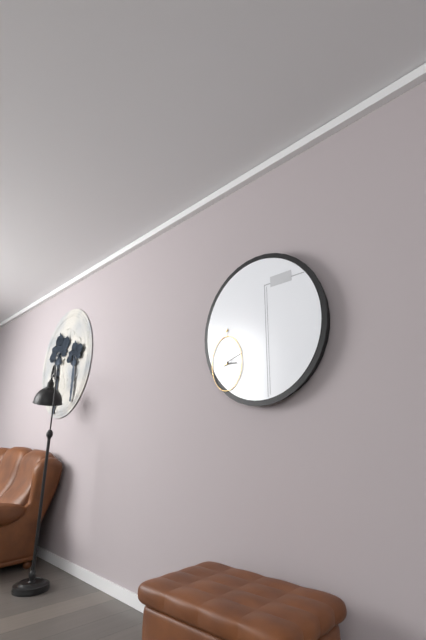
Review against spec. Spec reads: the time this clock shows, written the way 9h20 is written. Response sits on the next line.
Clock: 3h12
